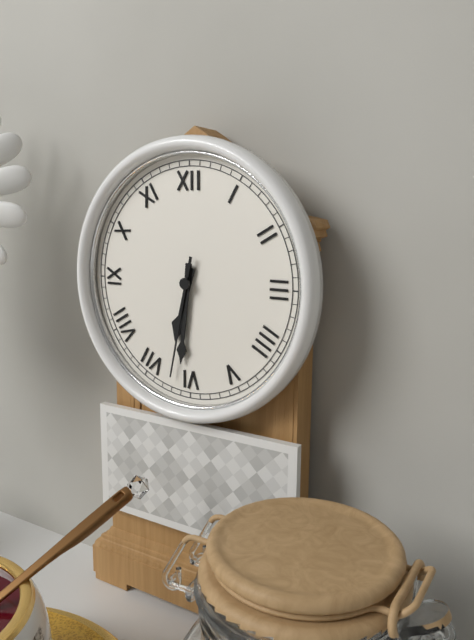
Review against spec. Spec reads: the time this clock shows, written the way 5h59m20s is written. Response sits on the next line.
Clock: 6h31m32s
